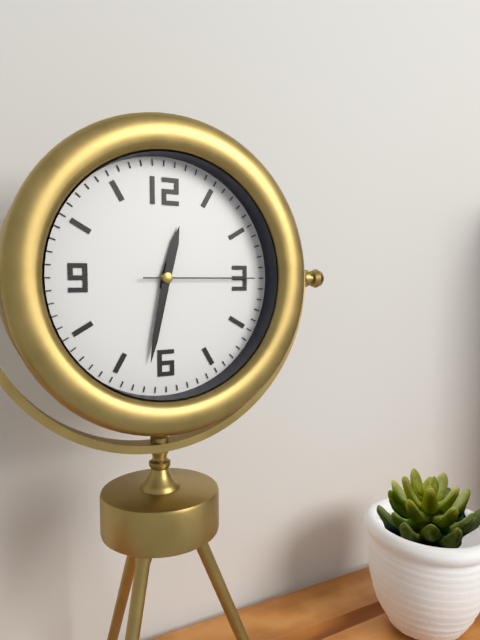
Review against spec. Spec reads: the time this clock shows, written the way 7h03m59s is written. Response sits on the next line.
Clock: 12h32m15s
